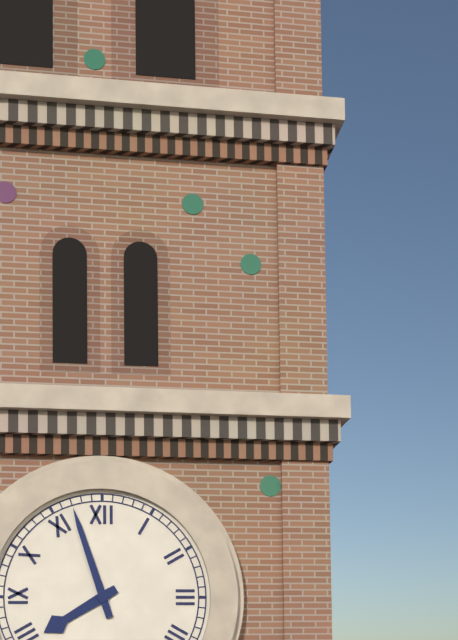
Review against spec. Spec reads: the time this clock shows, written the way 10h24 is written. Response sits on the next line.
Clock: 7h57
